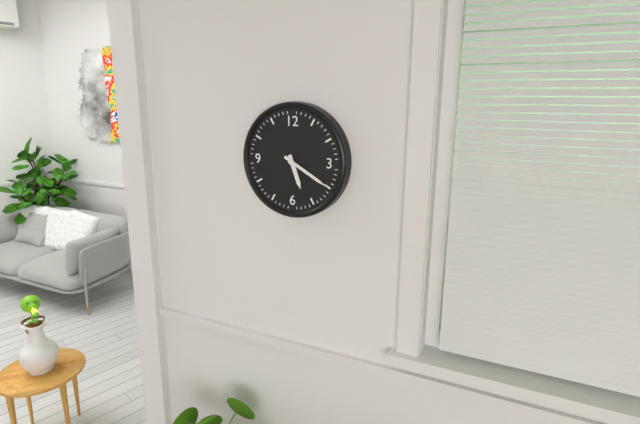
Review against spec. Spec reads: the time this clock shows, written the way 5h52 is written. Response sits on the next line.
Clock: 5h20
